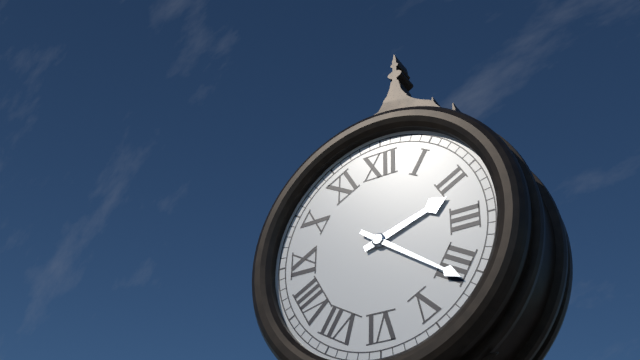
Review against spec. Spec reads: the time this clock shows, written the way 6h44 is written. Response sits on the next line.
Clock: 2h21
